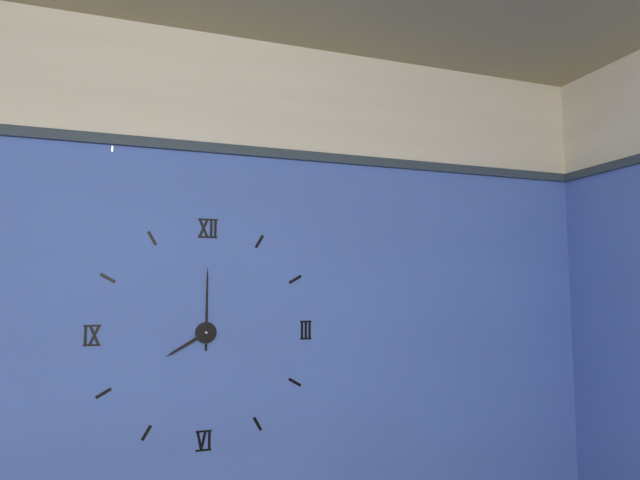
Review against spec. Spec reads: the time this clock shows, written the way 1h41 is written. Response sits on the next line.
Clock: 8h00
